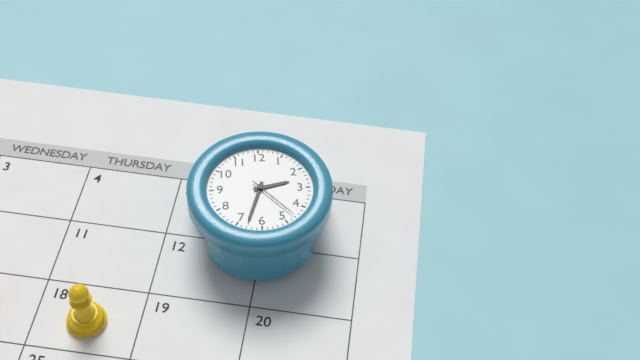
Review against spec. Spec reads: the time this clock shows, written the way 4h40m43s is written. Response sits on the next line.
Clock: 2h33m23s
